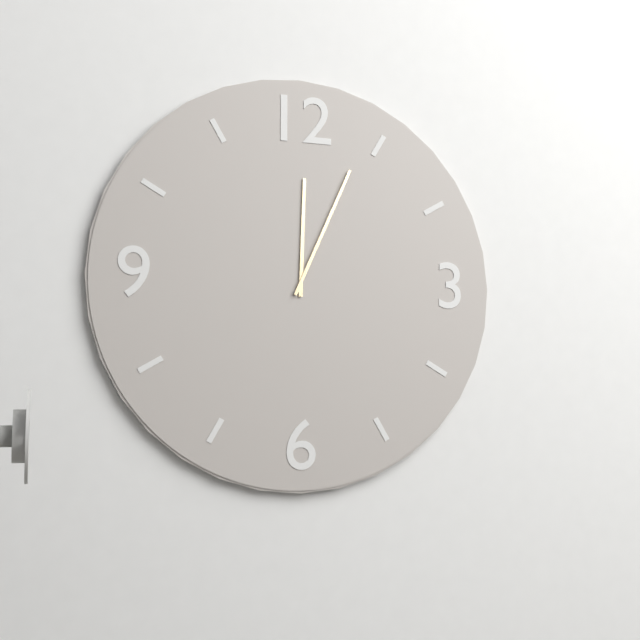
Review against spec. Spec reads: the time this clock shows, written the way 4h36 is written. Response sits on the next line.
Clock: 12h04
